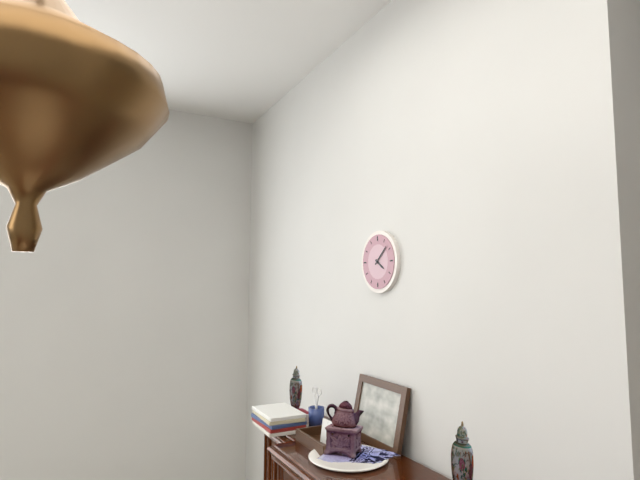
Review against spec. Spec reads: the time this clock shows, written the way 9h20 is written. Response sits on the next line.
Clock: 4h08
